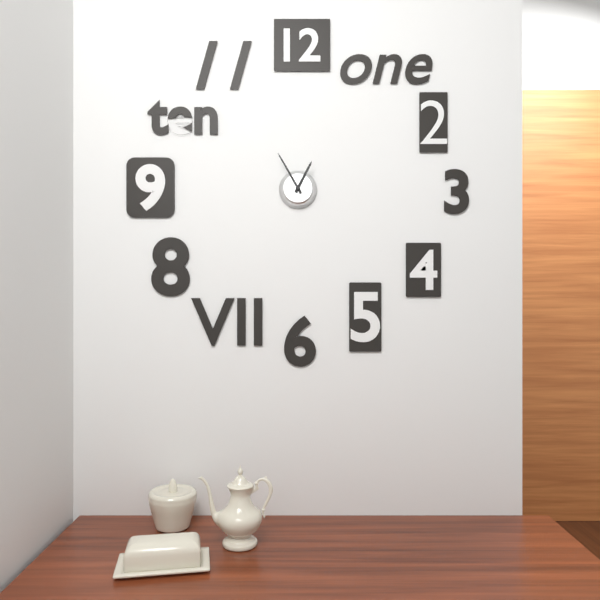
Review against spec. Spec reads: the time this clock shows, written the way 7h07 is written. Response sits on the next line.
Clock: 12h55
